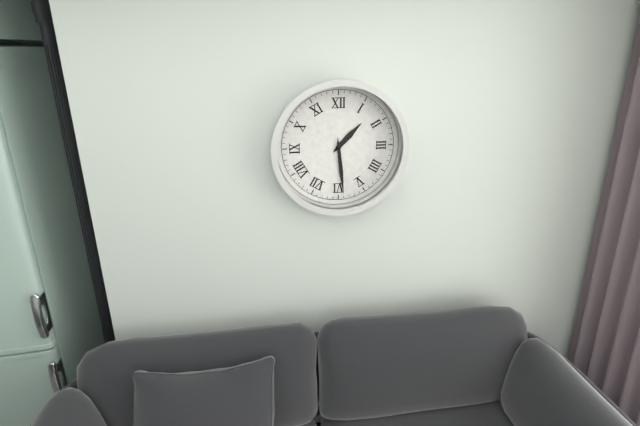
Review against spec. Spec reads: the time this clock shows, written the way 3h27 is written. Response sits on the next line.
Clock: 1h29
